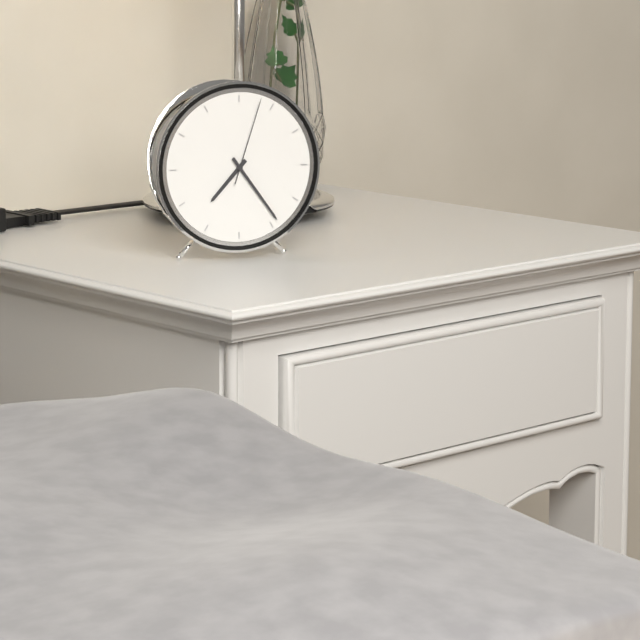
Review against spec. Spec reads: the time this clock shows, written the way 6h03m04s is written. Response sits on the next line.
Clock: 7h24m03s
